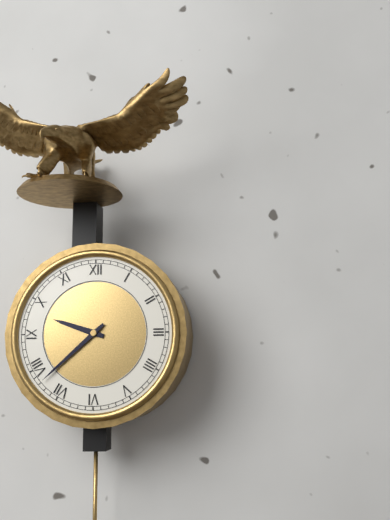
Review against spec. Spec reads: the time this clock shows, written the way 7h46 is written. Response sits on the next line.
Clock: 9h38
